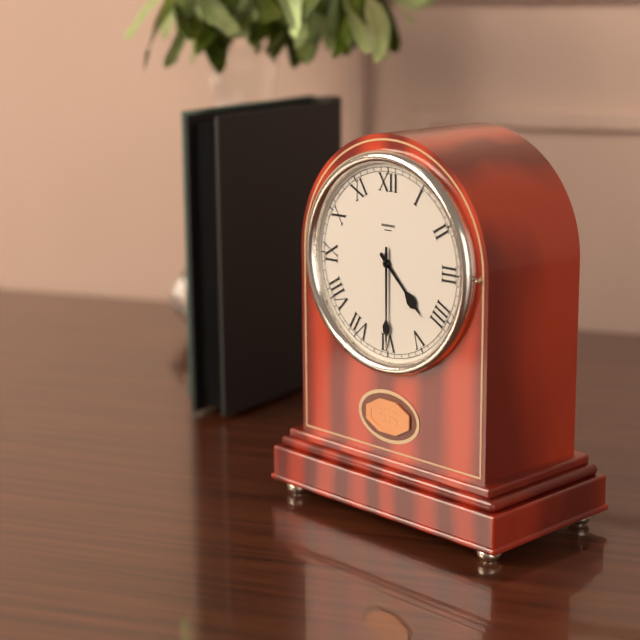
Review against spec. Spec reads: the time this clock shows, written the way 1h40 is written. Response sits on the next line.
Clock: 4h30
